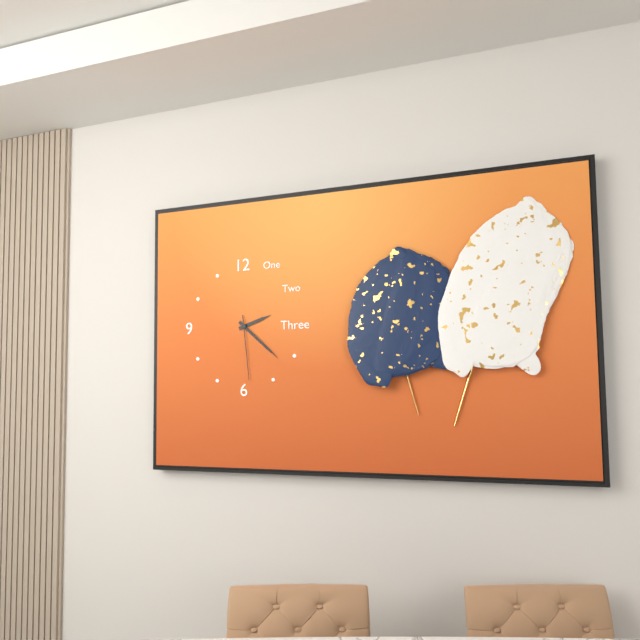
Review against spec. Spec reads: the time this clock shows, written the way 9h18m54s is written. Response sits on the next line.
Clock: 2h22m29s
